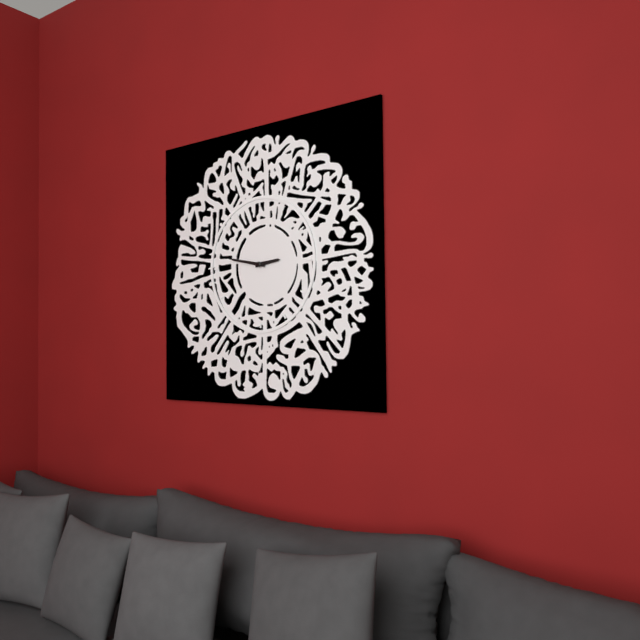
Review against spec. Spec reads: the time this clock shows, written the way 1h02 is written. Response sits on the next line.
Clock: 2h47
